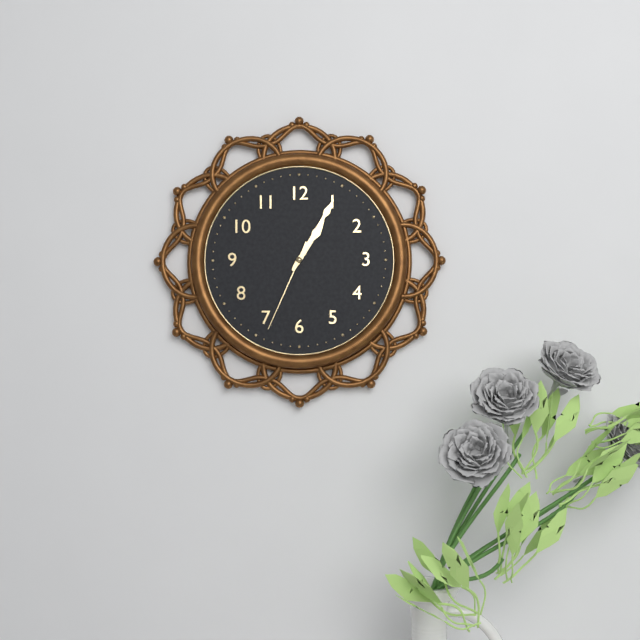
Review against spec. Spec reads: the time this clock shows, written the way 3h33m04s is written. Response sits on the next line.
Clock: 1h05m34s
